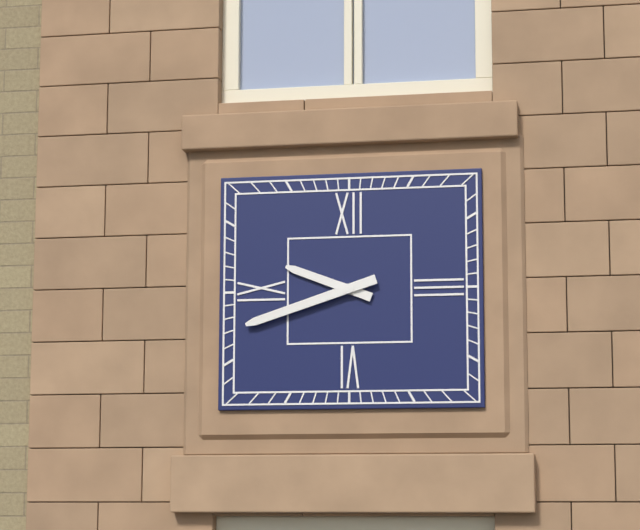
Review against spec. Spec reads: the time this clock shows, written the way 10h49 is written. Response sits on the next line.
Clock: 9h42
